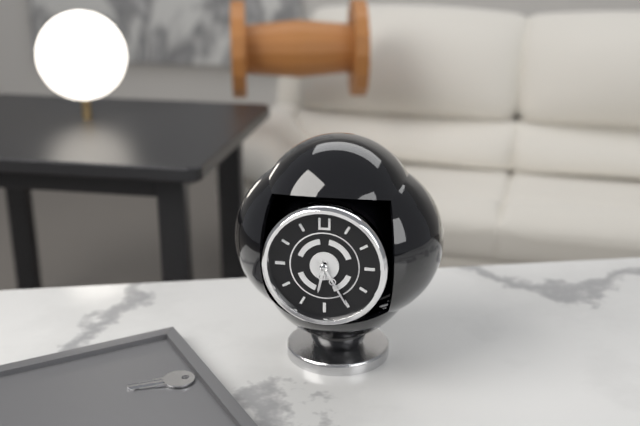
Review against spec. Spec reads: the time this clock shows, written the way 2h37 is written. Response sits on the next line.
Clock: 6h25
